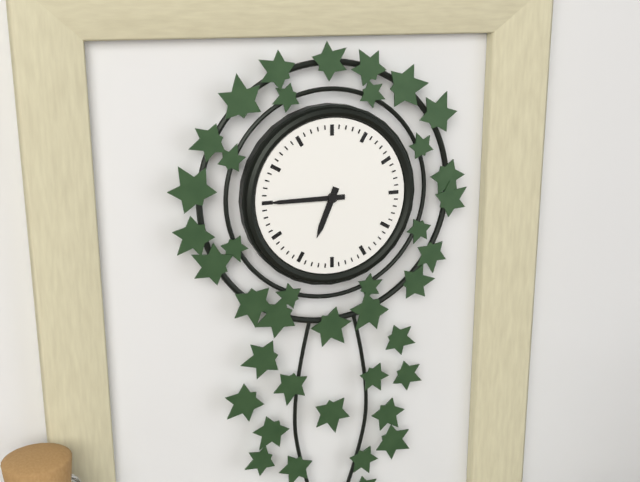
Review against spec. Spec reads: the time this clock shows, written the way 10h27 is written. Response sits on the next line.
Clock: 6h45
